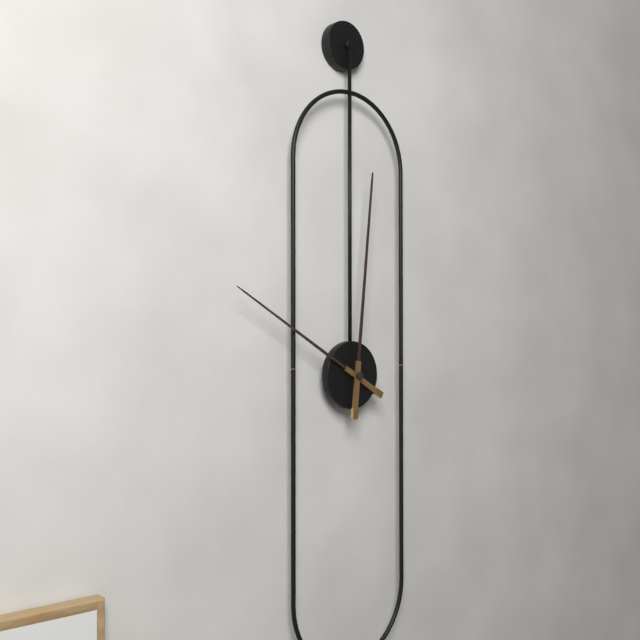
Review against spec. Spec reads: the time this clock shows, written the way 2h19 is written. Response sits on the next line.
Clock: 10h01
